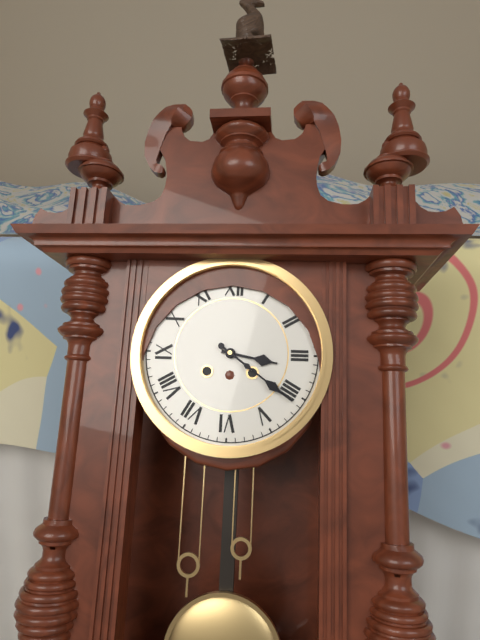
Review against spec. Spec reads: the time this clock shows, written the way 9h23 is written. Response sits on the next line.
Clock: 3h21
